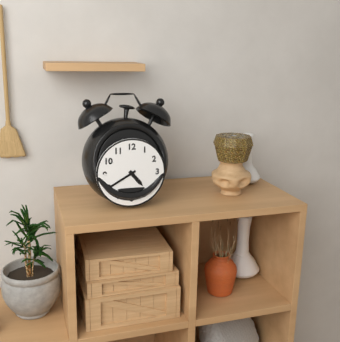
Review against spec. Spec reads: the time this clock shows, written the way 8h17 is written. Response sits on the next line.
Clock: 4h40
